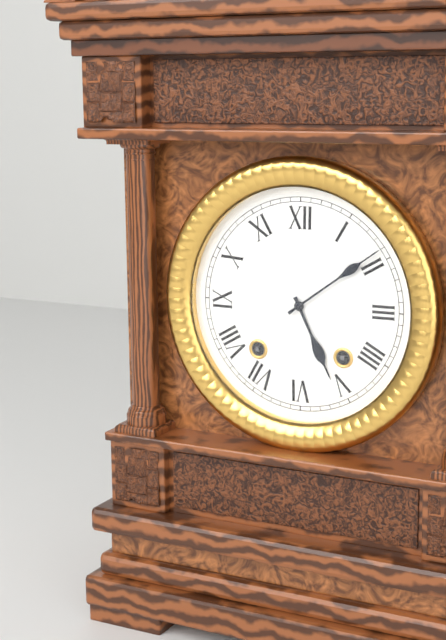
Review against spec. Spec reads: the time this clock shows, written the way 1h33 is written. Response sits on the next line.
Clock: 5h09
